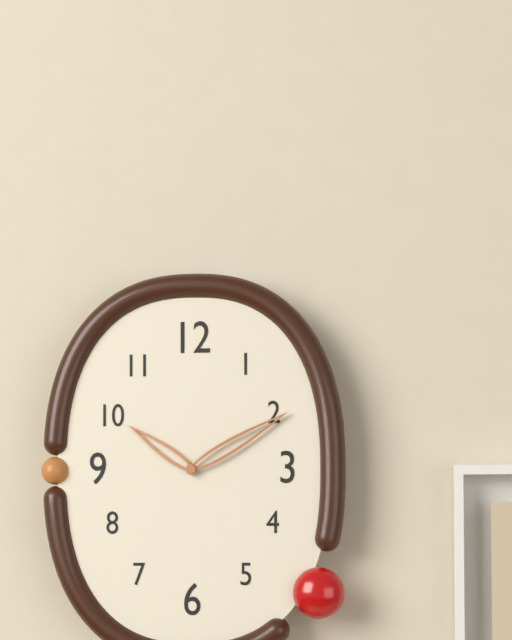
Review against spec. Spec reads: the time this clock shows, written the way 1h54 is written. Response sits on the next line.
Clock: 10h10
